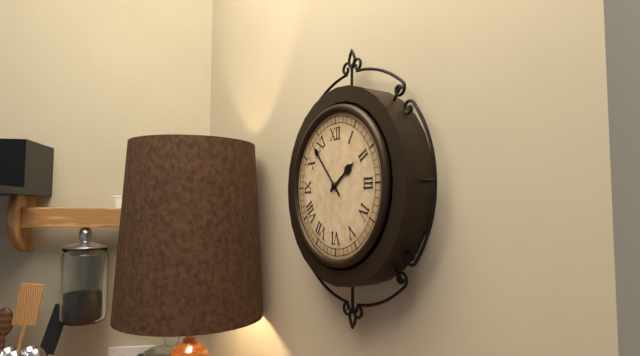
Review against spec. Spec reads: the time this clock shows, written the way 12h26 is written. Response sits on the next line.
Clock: 1h53
